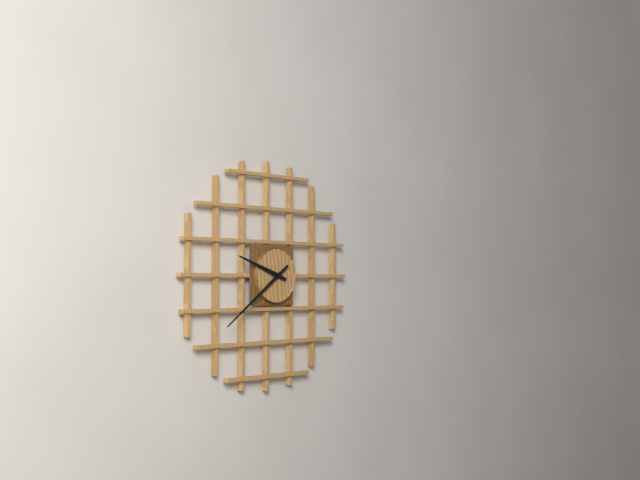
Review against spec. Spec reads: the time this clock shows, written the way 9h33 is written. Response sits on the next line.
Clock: 9h39
